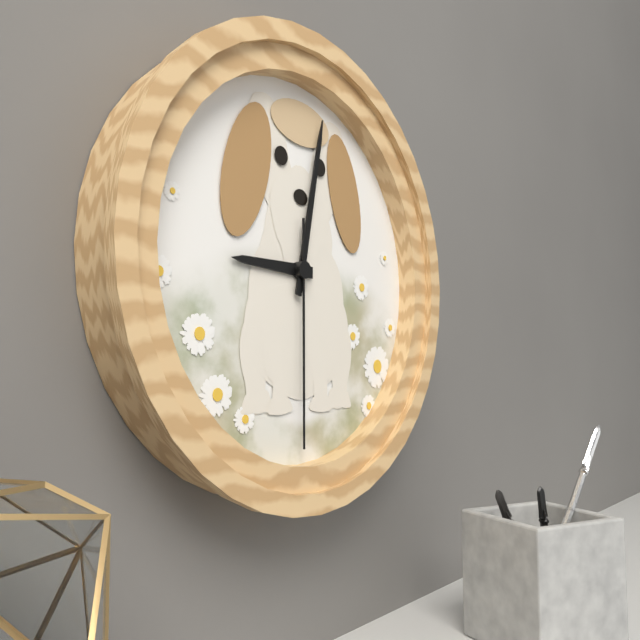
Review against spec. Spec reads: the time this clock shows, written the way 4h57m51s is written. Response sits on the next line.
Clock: 9h02m30s
